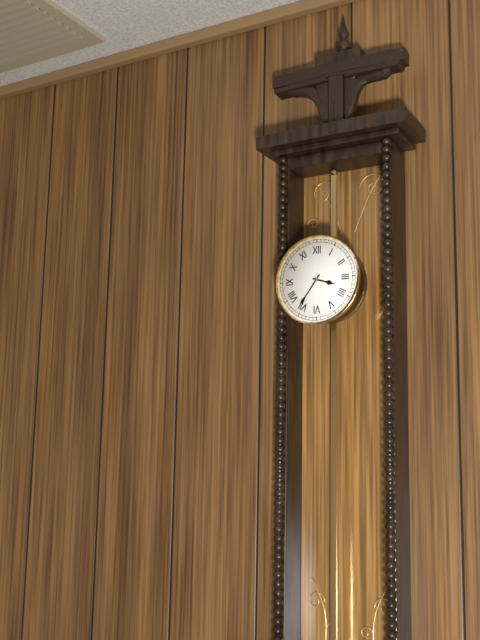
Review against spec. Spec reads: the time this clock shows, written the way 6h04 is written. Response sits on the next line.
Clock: 3h36
